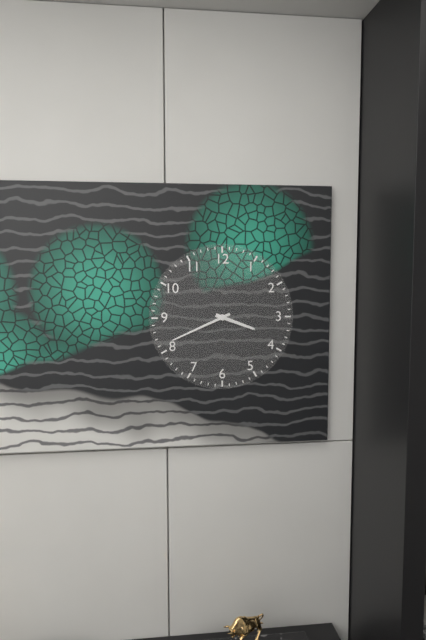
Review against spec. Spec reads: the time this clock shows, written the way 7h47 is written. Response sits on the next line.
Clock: 3h41
